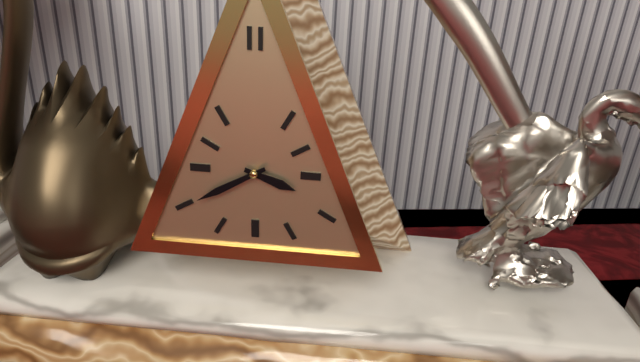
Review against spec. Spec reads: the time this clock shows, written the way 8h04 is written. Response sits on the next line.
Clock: 3h40
